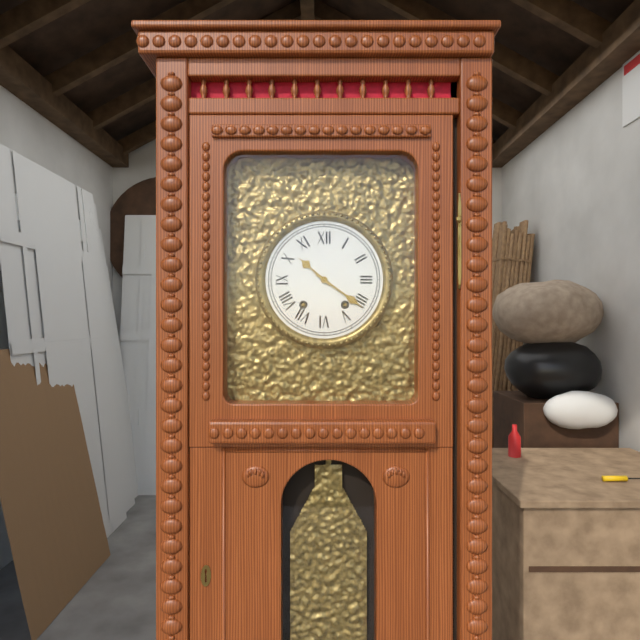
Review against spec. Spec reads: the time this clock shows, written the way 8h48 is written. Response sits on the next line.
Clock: 10h21
